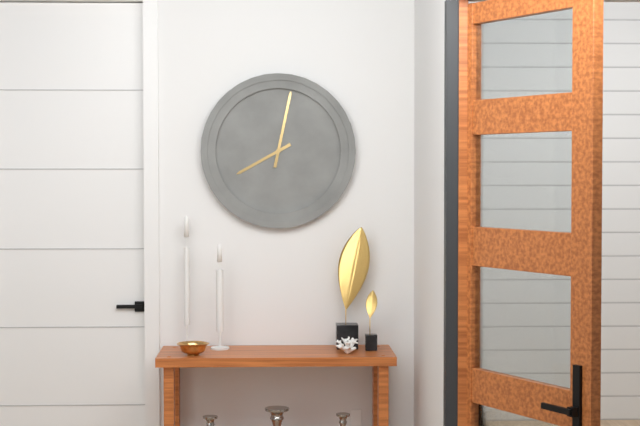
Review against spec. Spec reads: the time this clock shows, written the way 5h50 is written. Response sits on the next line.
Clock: 8h02
